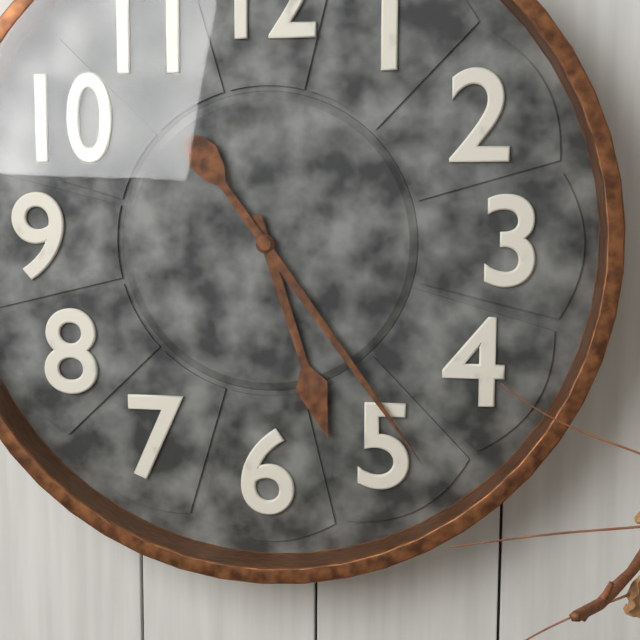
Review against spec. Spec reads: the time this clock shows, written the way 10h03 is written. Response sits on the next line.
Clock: 5h24
